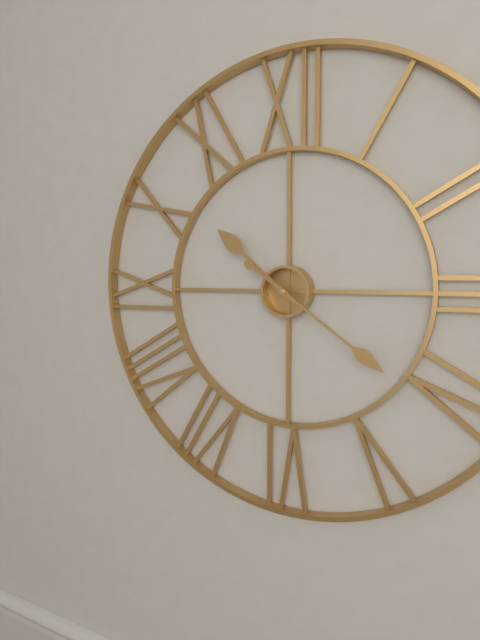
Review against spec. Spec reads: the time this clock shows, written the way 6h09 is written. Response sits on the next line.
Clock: 10h21
